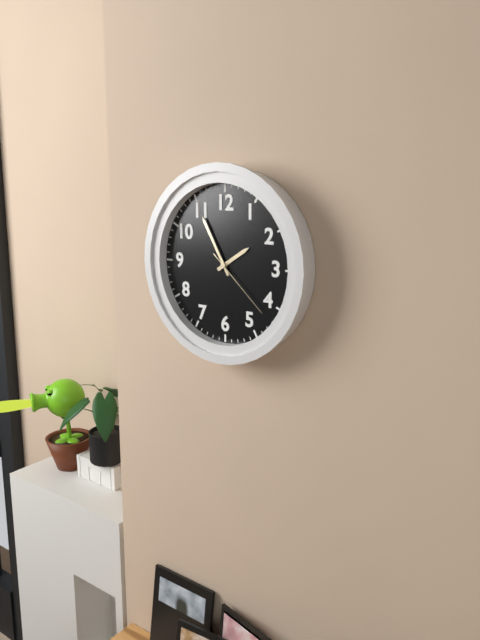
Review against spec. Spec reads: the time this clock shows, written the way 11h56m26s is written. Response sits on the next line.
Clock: 1h55m22s
